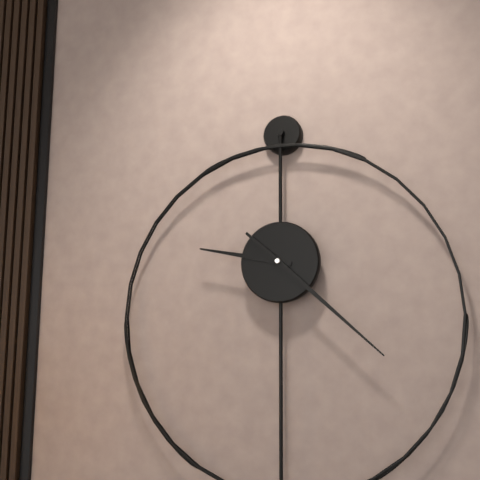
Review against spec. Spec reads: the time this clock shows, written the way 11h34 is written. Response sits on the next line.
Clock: 9h22
